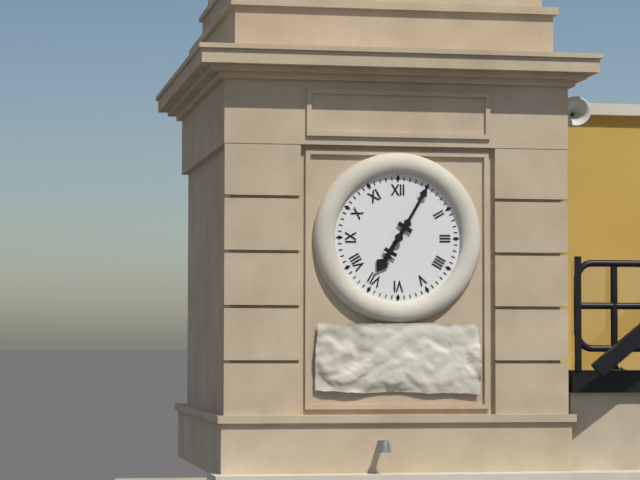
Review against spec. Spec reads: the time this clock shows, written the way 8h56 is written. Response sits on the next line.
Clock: 7h05
